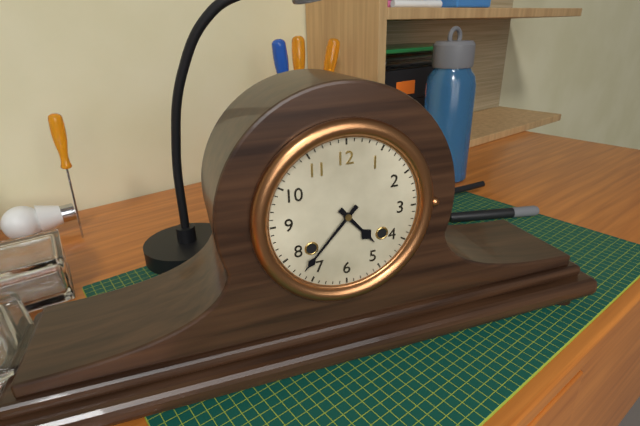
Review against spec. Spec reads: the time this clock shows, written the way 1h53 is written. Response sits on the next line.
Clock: 4h37
